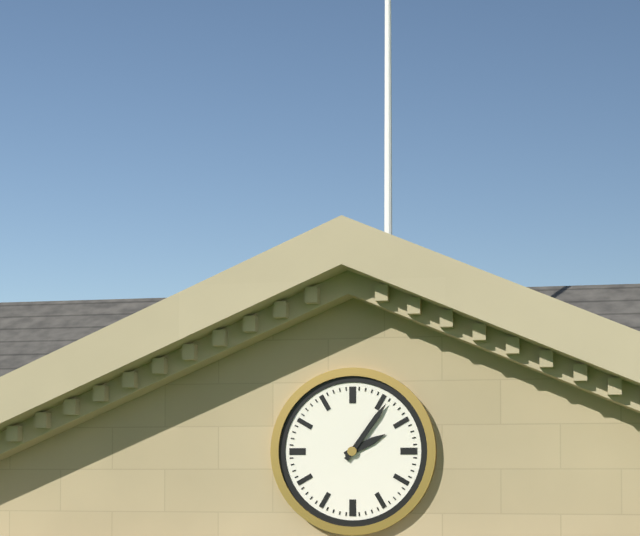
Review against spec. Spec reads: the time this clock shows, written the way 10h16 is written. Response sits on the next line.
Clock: 2h06
